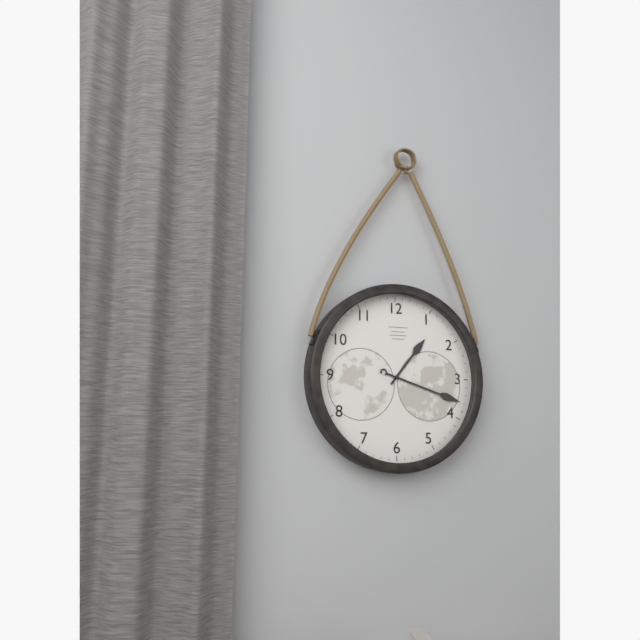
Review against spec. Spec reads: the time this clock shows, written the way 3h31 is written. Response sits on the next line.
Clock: 1h18
